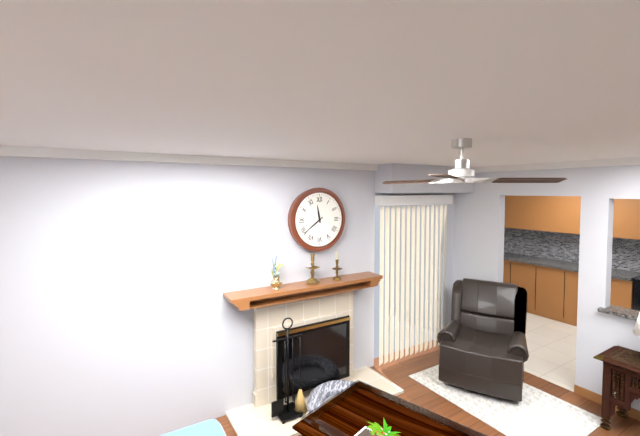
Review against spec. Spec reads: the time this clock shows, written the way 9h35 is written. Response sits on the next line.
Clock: 11h39
